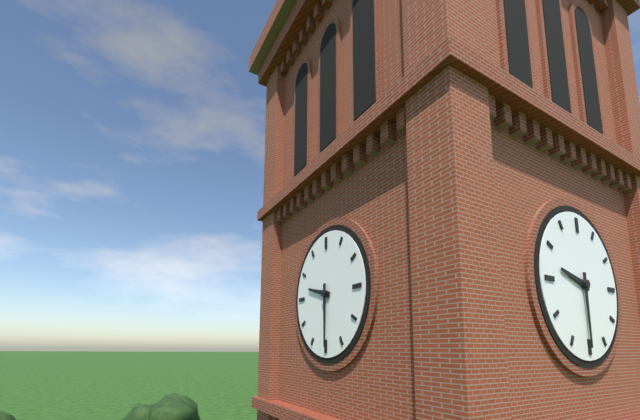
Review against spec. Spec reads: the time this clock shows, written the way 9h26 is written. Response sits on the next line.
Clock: 9h30
